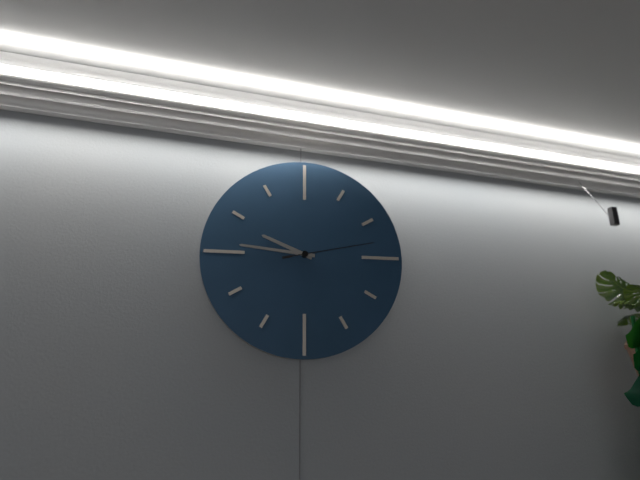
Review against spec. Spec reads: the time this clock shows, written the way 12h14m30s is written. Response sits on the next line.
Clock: 9h46m13s
